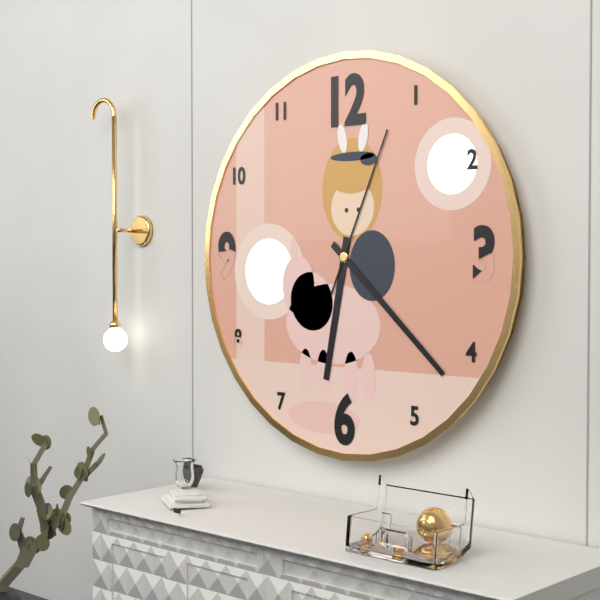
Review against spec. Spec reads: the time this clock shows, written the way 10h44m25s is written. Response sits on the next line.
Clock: 6h22m04s
